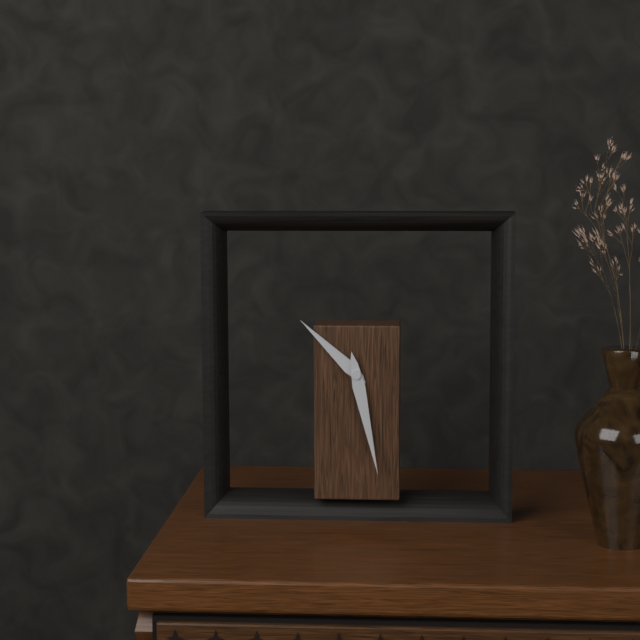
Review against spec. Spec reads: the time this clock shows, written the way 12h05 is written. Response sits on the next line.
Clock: 10h28
